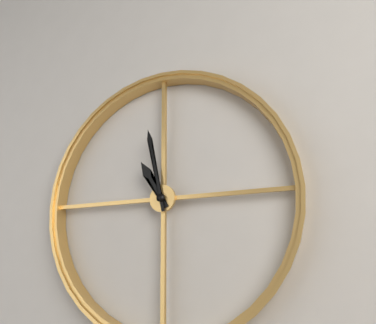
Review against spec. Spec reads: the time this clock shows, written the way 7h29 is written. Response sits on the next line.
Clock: 10h58
